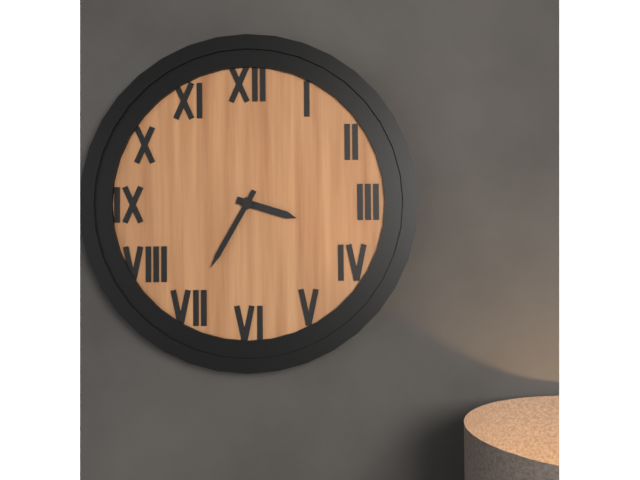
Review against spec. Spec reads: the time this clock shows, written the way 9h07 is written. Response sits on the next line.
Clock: 3h35
